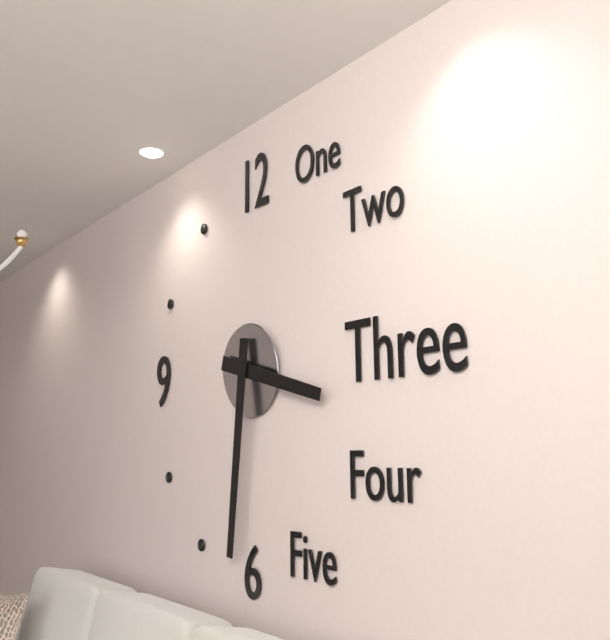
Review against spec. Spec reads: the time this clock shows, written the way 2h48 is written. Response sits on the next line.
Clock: 3h31
